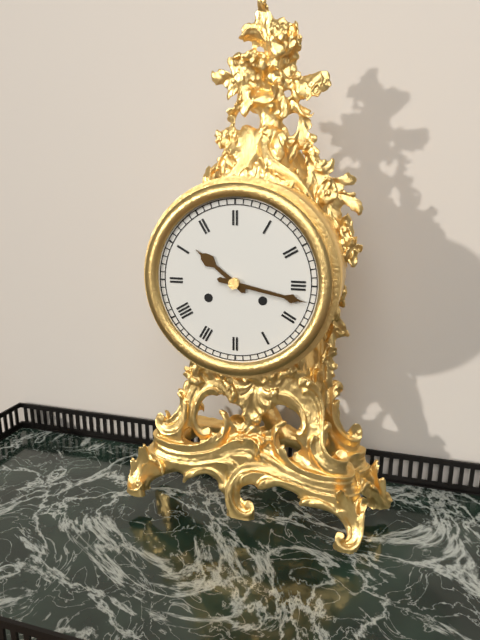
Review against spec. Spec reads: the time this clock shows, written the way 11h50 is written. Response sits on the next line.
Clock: 10h17
